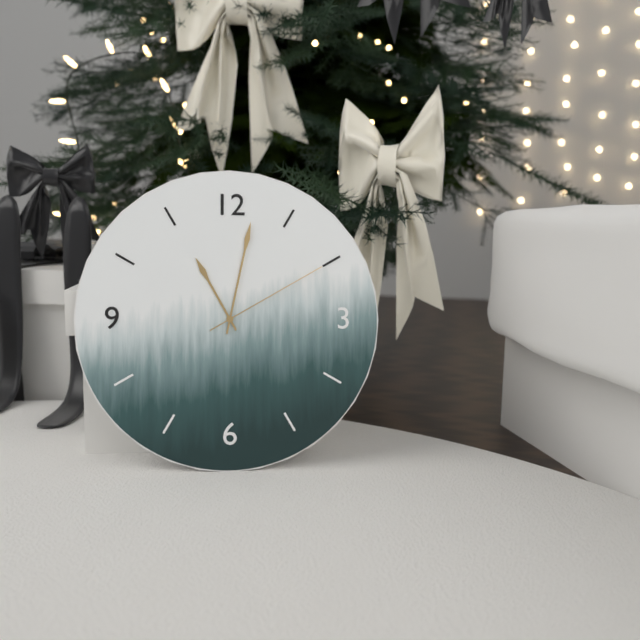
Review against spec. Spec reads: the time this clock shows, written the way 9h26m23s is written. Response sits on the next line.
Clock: 11h02m10s
